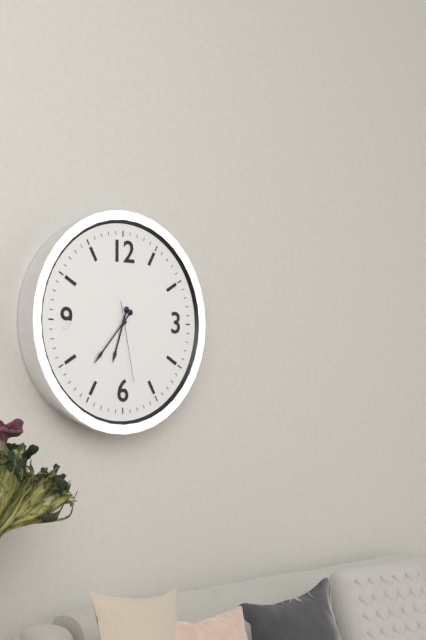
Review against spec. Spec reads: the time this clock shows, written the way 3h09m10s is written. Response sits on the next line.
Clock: 6h37m28s
